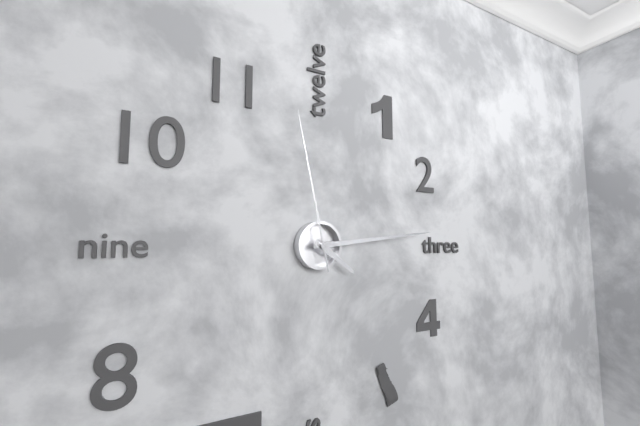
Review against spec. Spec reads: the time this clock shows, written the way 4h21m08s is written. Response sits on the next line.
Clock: 4h14m58s
